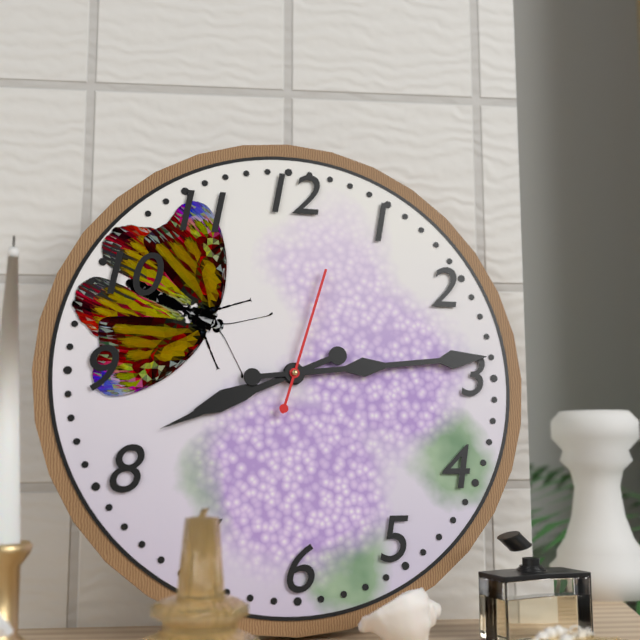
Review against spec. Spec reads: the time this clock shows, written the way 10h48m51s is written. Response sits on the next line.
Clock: 8h14m03s
